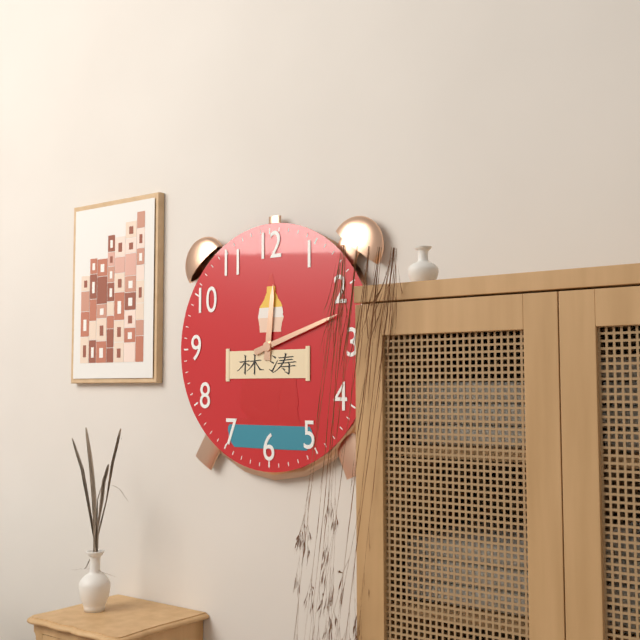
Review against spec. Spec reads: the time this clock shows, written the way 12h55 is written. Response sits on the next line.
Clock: 12h12
